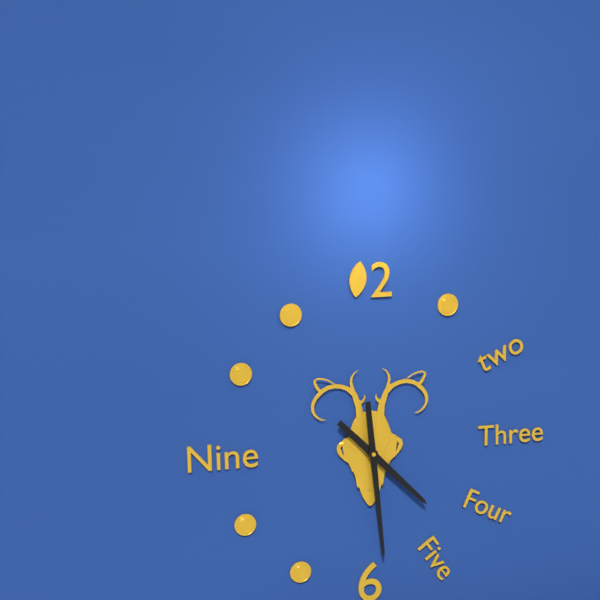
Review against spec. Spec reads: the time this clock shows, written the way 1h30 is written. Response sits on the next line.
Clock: 4h29
